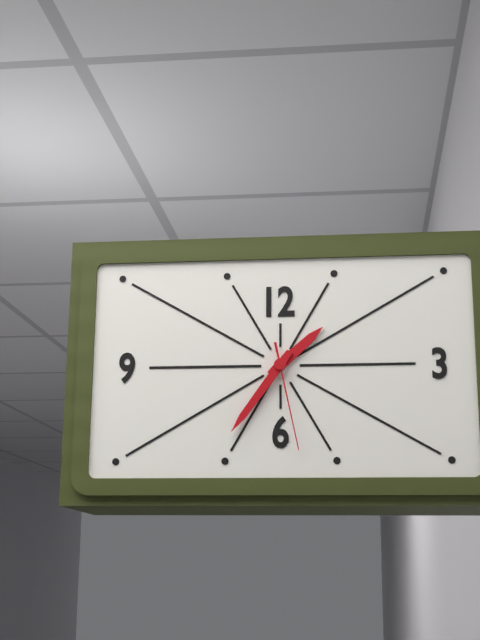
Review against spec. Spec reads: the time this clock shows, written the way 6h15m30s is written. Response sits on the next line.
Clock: 1h36m28s
